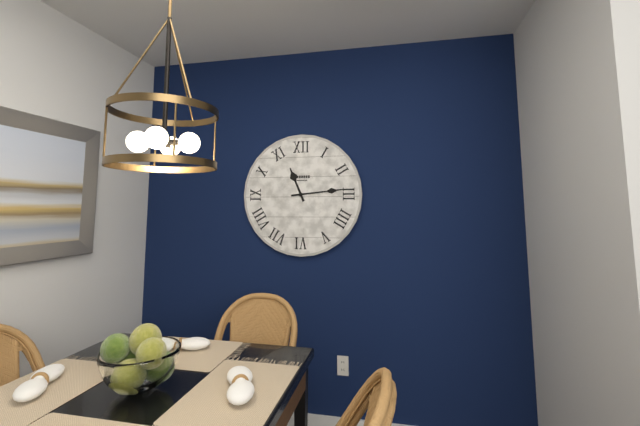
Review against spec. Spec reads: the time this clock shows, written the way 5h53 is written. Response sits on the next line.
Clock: 11h14
